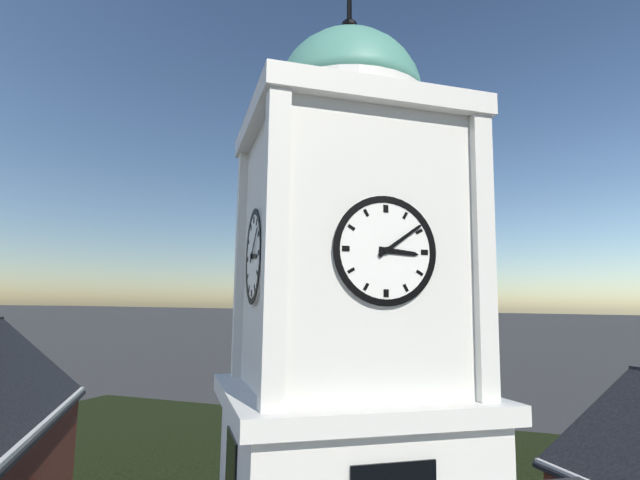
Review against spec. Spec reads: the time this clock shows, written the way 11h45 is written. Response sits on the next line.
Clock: 3h09
